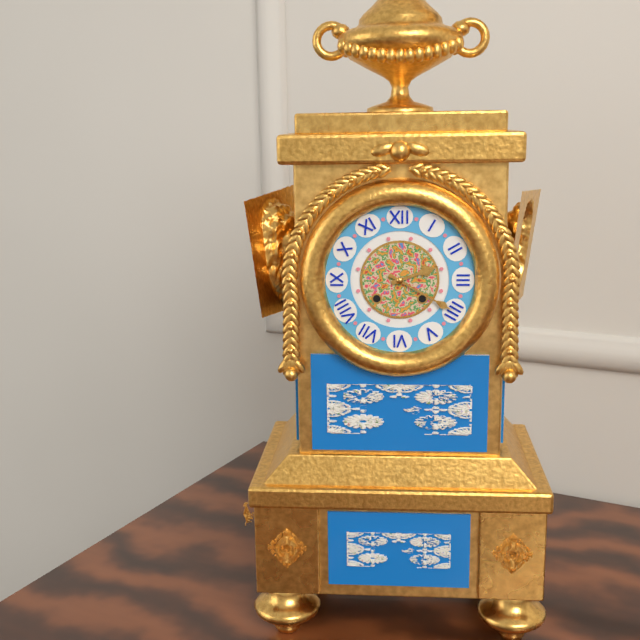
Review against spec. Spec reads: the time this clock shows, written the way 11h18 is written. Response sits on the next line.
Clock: 2h20
